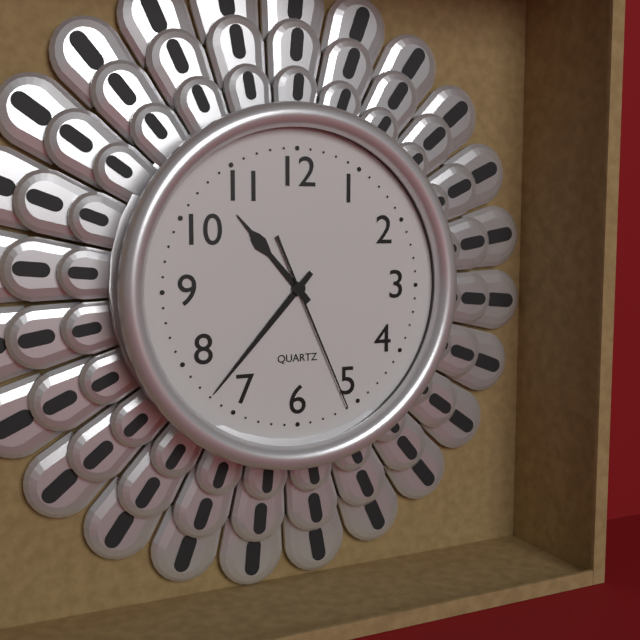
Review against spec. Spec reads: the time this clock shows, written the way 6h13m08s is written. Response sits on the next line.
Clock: 10h37m26s
